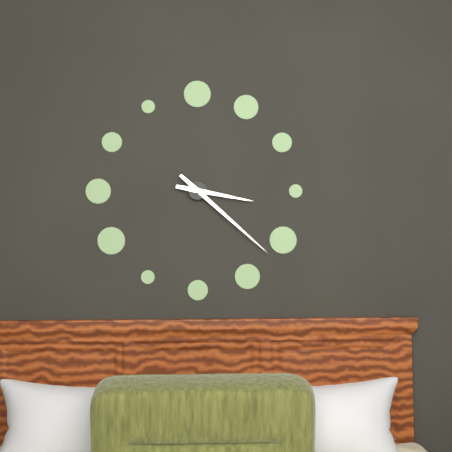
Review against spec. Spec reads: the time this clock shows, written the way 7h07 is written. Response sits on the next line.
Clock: 3h22
